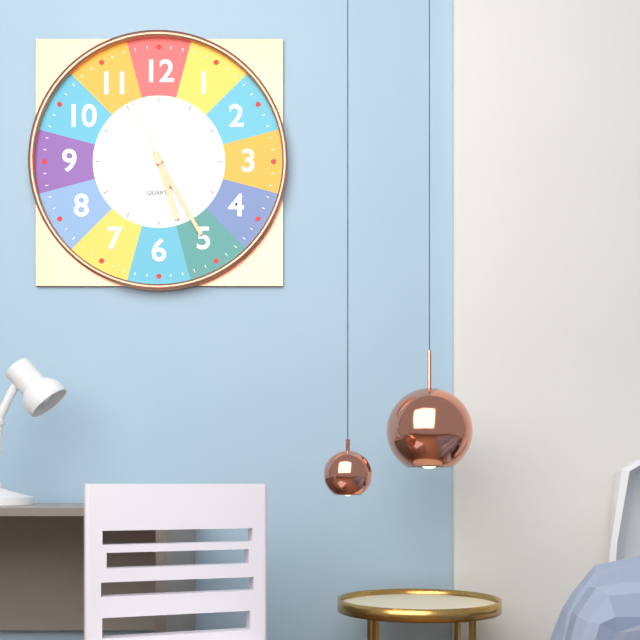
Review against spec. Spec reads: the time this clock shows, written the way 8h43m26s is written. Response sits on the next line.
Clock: 5h25m56s
